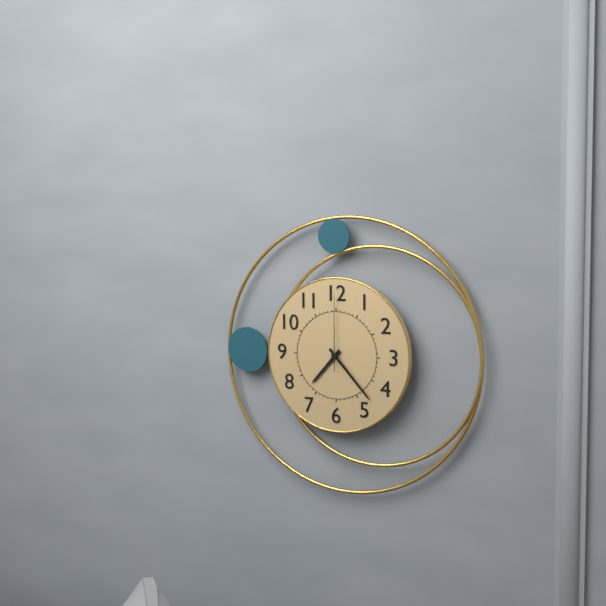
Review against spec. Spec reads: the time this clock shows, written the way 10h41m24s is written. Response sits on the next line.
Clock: 7h23m00s
